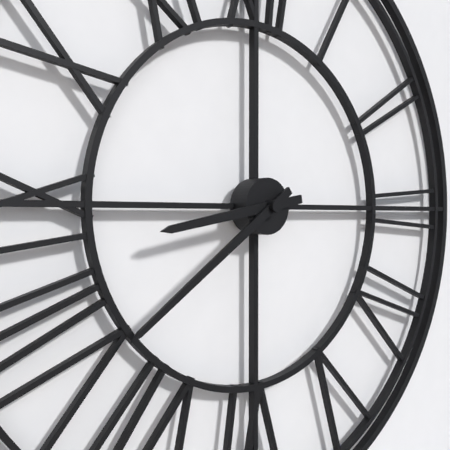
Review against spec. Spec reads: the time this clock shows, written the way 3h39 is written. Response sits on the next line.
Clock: 8h39
